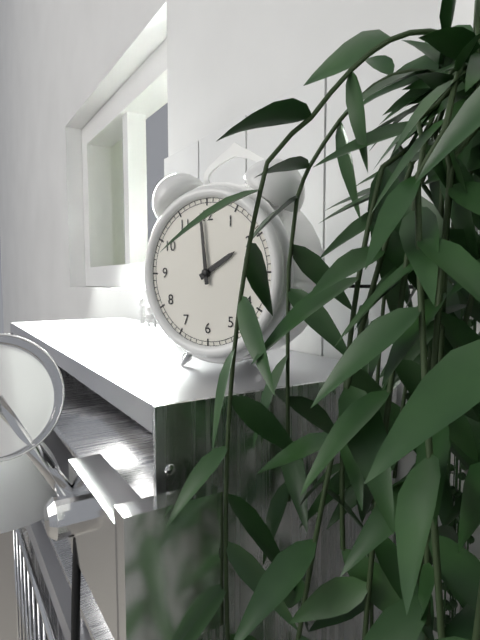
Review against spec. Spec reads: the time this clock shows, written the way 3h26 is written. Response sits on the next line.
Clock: 1h59
